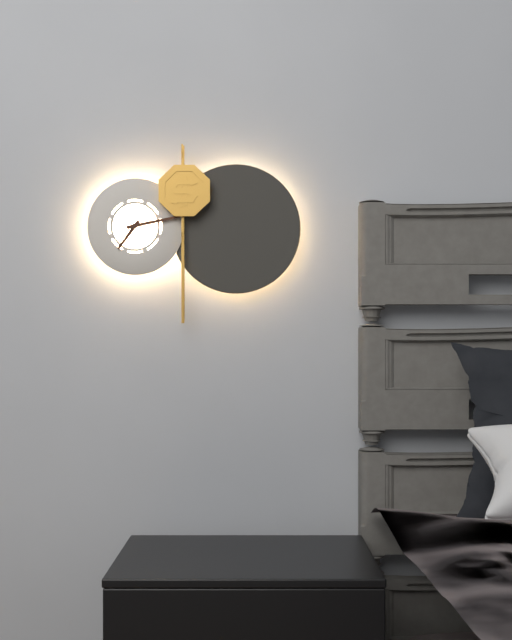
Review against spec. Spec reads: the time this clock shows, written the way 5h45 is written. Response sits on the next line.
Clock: 7h13
